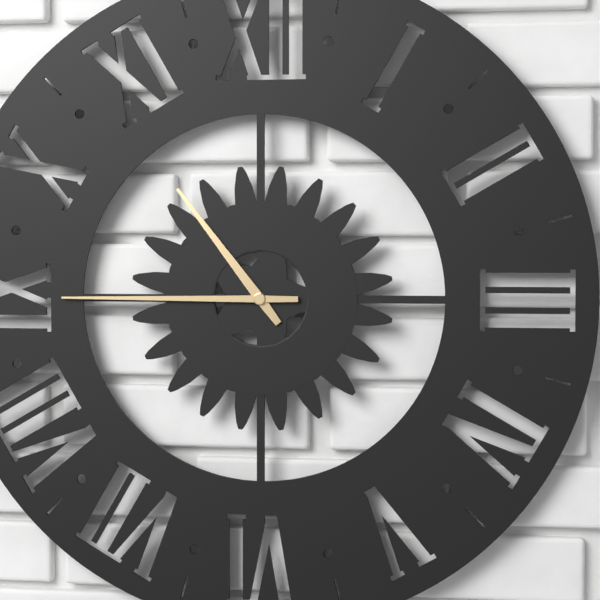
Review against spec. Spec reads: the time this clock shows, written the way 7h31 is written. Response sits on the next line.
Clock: 10h45
